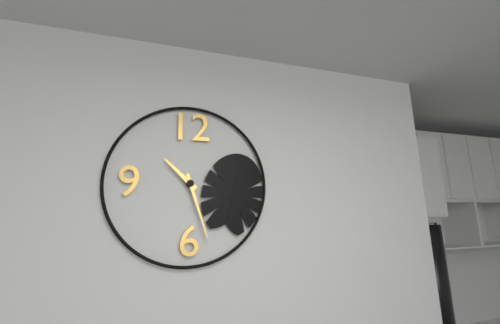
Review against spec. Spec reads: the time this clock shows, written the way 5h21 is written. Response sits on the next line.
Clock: 10h27
